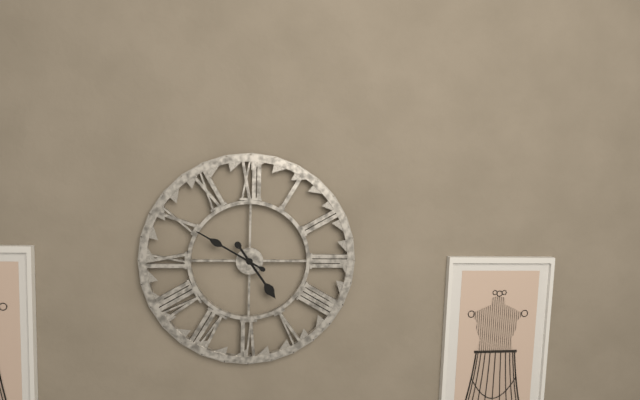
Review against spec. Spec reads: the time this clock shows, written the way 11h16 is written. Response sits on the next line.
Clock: 4h50
